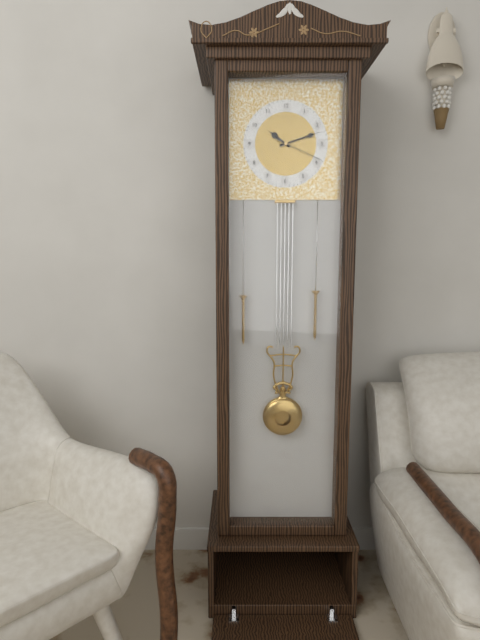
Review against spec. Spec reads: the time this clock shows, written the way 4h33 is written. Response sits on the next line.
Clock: 10h12
